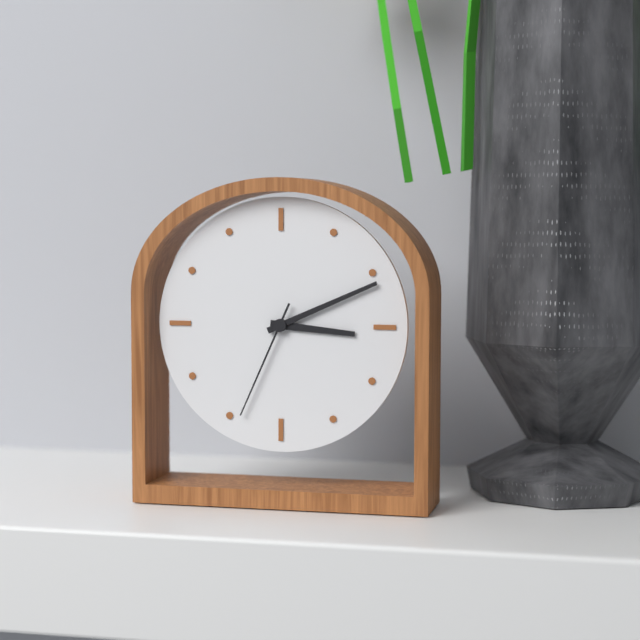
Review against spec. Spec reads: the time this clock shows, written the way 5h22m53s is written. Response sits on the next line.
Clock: 3h11m34s
